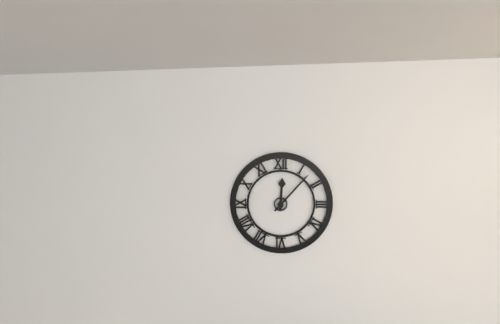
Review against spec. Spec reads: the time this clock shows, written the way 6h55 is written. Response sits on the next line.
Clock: 12h07
